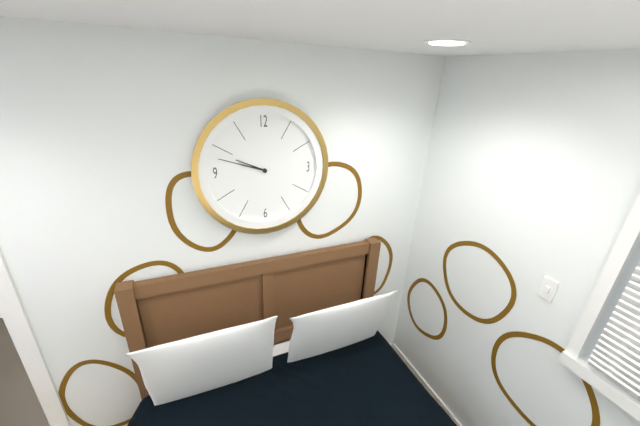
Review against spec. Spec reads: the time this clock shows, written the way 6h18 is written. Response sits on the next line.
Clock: 9h48
